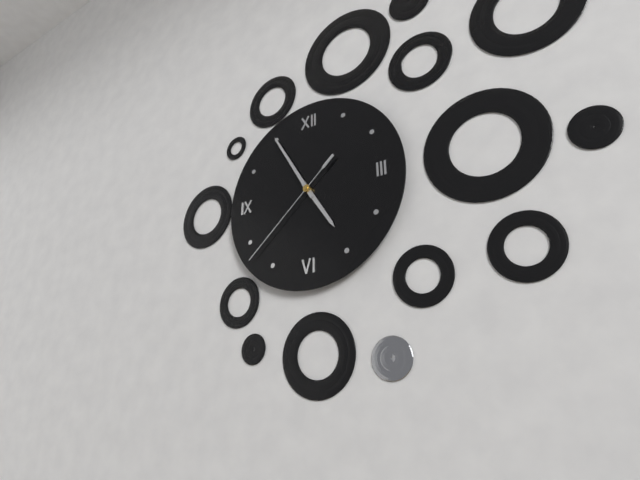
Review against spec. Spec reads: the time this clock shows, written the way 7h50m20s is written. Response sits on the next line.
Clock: 4h55m38s
